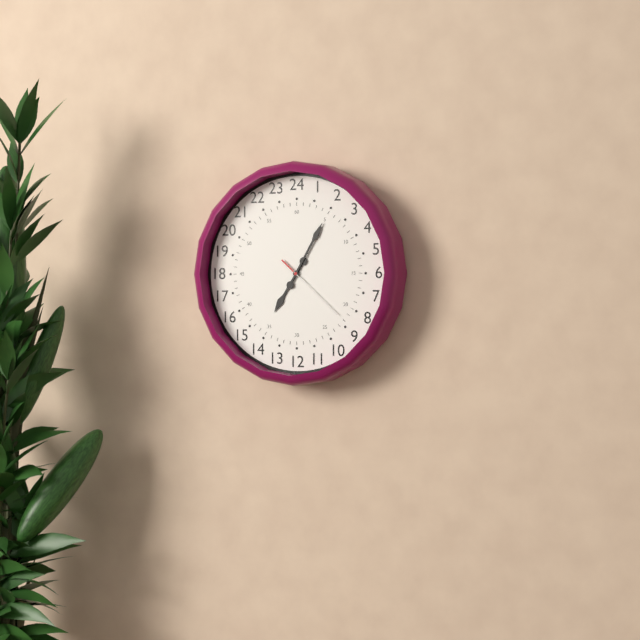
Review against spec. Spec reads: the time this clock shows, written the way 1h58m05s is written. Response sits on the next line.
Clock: 7h05m22s
